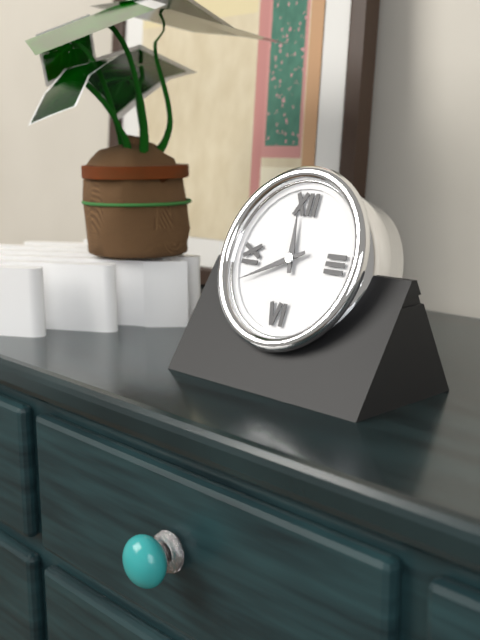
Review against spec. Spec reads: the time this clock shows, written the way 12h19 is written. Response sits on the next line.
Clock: 11h41
